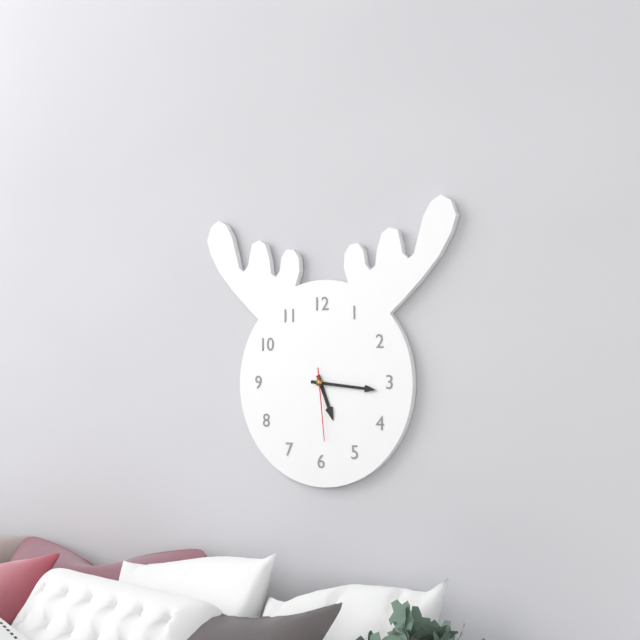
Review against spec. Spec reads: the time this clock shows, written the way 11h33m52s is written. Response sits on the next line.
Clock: 5h16m29s
